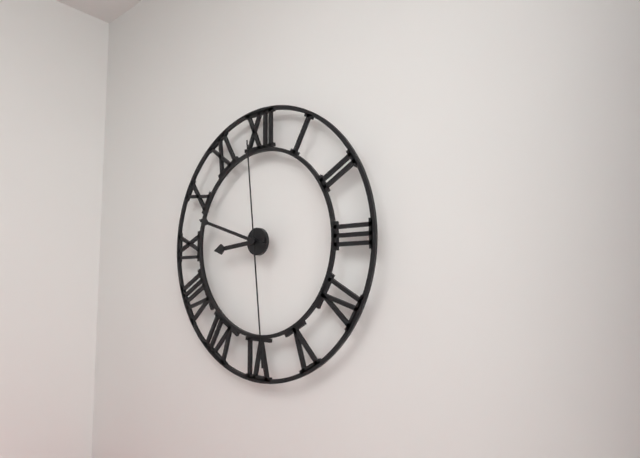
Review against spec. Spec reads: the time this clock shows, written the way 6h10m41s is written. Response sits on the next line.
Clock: 8h48m29s
